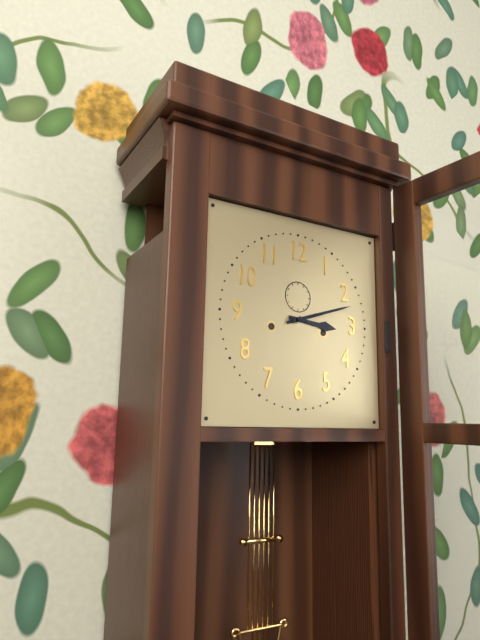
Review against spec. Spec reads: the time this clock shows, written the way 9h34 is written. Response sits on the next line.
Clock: 3h12
